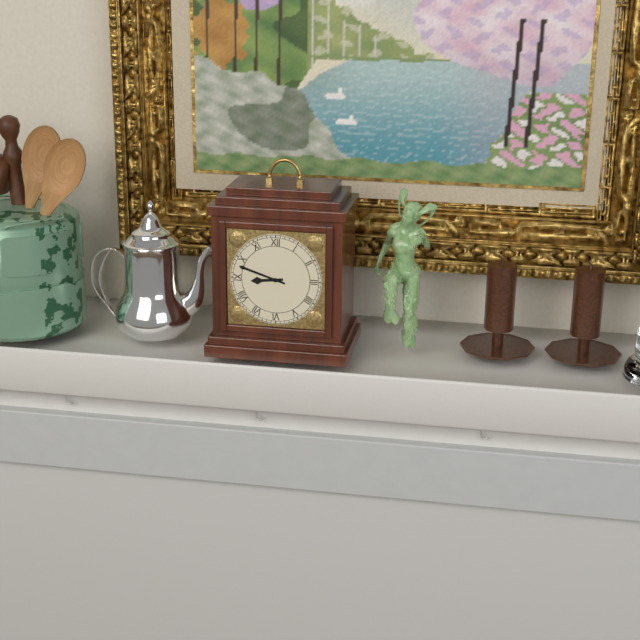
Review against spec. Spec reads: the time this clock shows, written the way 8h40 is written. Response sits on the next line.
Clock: 8h48
